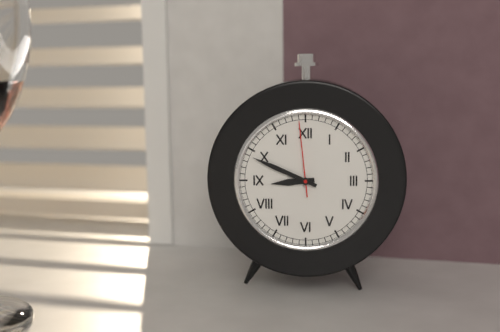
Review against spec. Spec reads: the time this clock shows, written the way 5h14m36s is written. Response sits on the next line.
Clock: 8h49m59s
